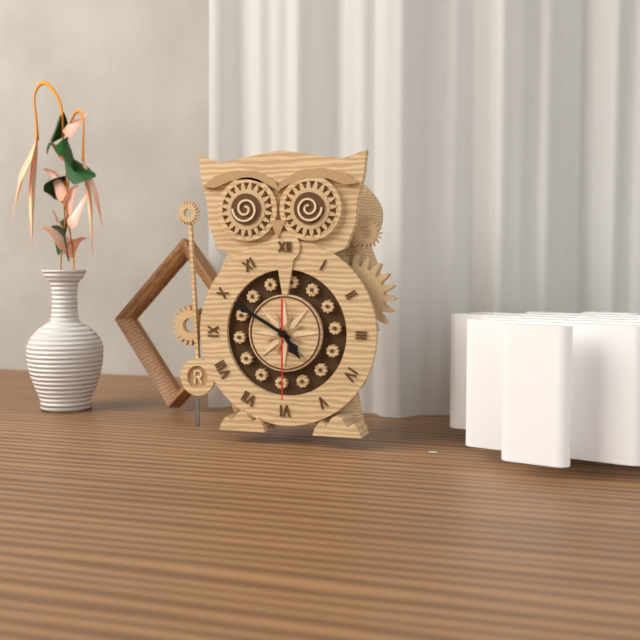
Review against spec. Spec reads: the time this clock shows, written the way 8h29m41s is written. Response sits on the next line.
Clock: 4h50m30s
